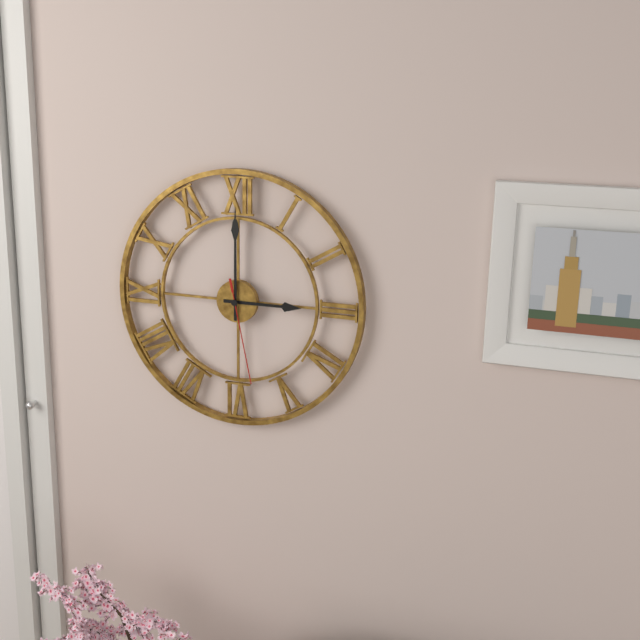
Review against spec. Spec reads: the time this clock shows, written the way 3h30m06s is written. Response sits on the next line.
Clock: 3h00m28s
